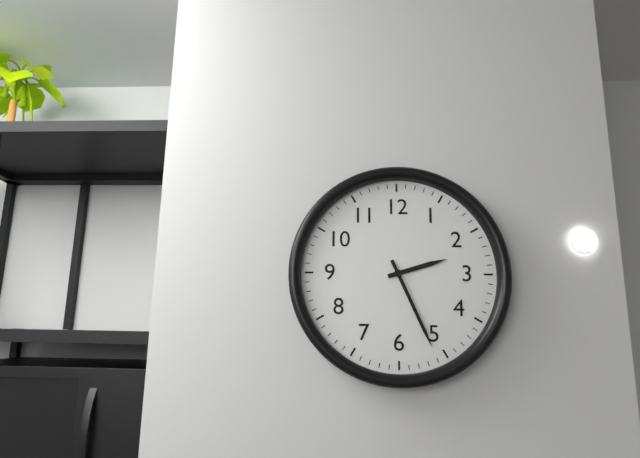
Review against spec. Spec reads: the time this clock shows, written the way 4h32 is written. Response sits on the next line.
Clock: 2h26
